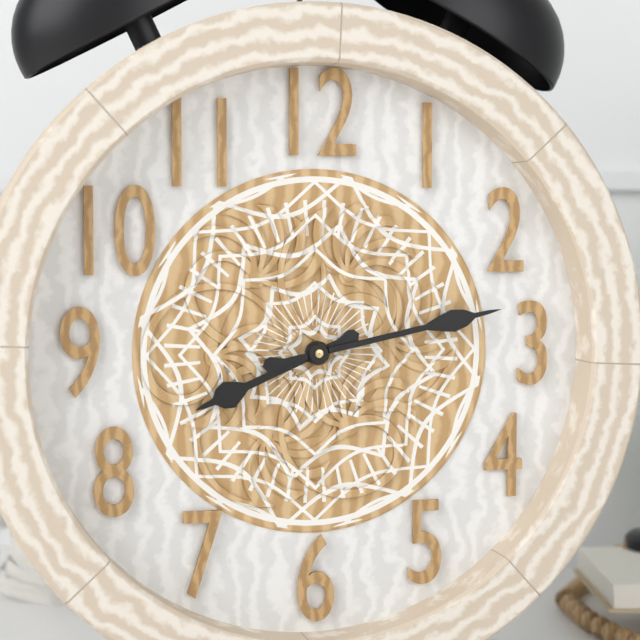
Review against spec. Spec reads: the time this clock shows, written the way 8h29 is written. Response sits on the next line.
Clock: 8h13
